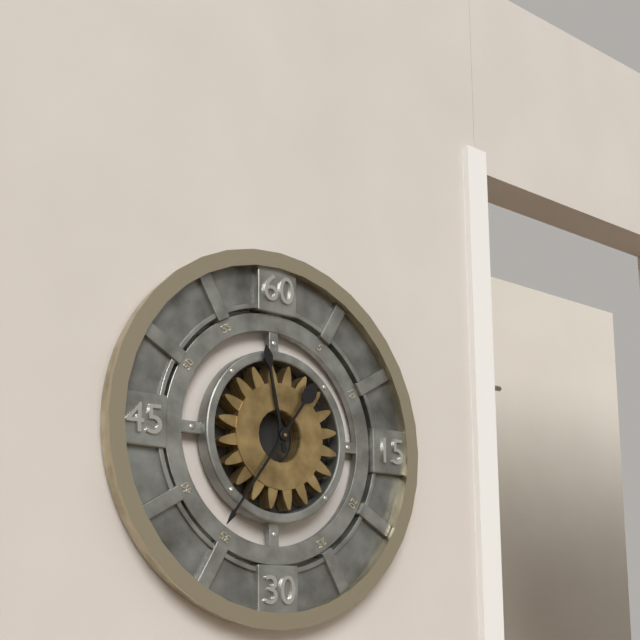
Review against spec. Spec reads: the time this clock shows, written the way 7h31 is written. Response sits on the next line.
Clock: 11h36
